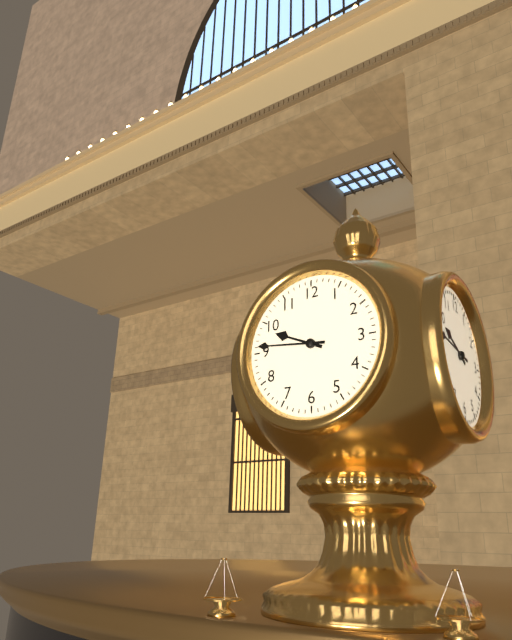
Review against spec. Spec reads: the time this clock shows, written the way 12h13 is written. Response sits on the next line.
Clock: 9h46
